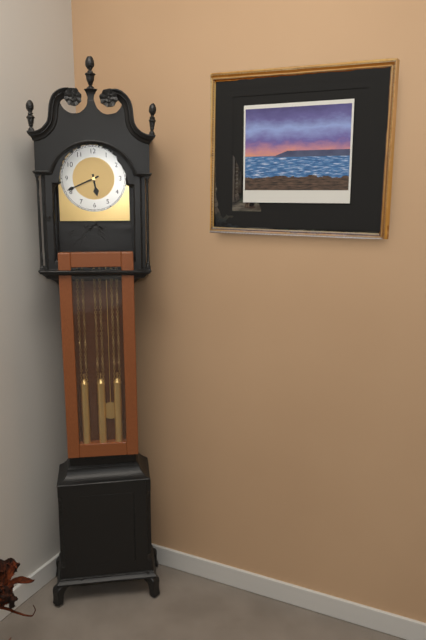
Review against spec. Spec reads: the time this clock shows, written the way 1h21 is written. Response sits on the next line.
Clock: 5h41
